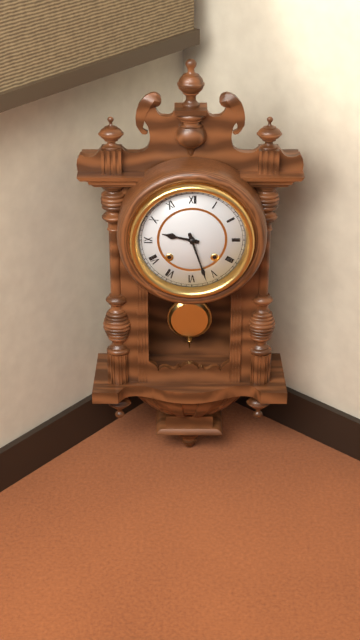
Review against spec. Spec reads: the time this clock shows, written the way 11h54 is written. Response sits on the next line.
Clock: 9h27
